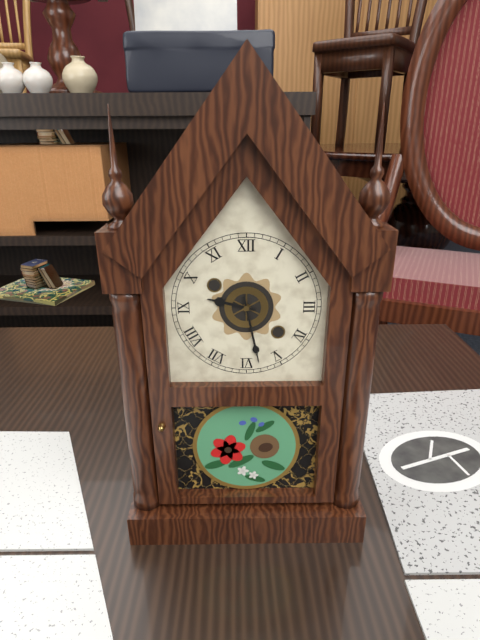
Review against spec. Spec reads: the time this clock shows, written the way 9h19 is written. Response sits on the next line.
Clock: 9h28
